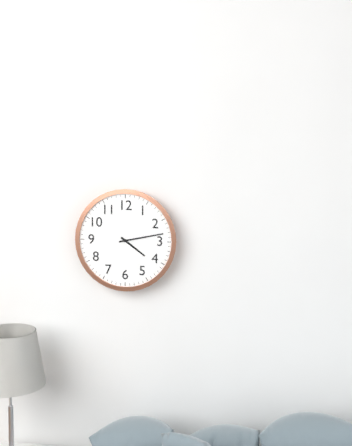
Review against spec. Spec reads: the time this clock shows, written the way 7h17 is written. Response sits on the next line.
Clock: 4h13
